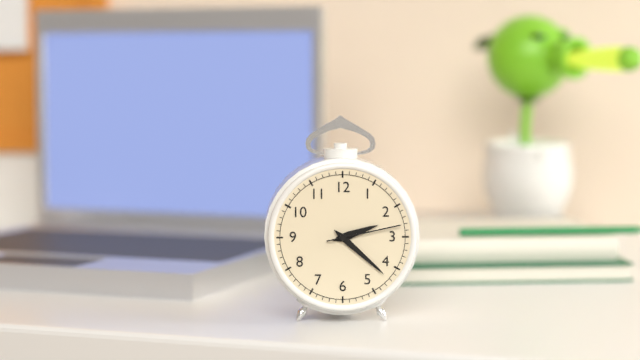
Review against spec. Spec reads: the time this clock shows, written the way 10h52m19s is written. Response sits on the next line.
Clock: 2h22m13s
